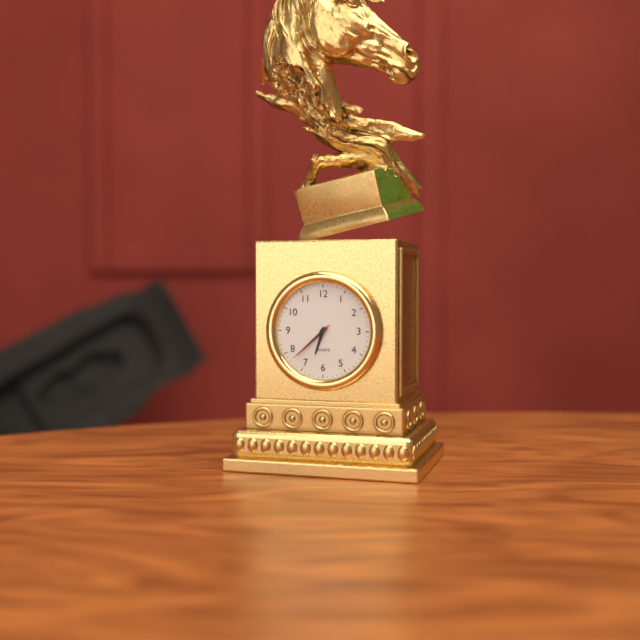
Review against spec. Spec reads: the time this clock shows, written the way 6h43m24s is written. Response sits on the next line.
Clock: 6h38m38s
